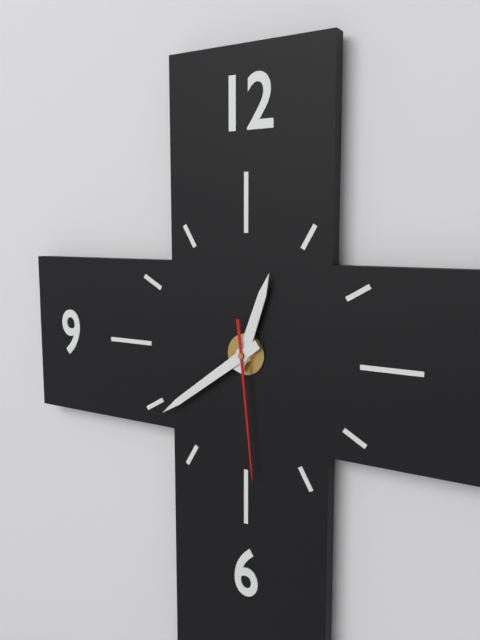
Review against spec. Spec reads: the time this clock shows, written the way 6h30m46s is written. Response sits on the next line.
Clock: 12h39m29s
